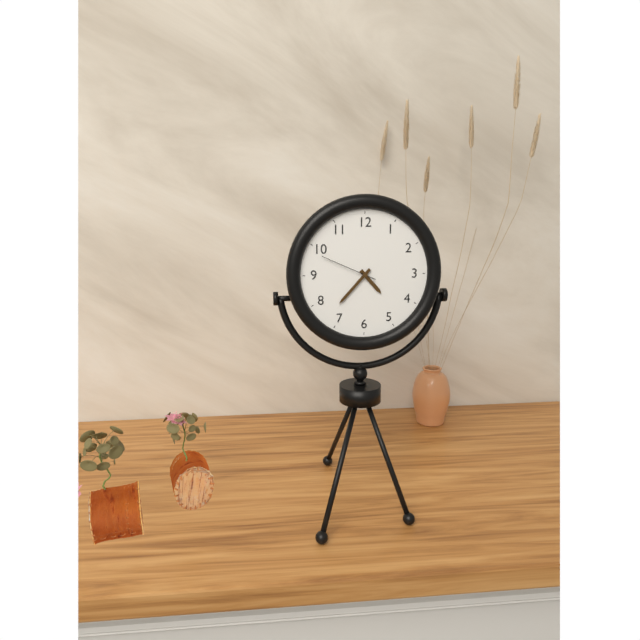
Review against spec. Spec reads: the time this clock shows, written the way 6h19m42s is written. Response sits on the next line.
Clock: 4h37m49s
